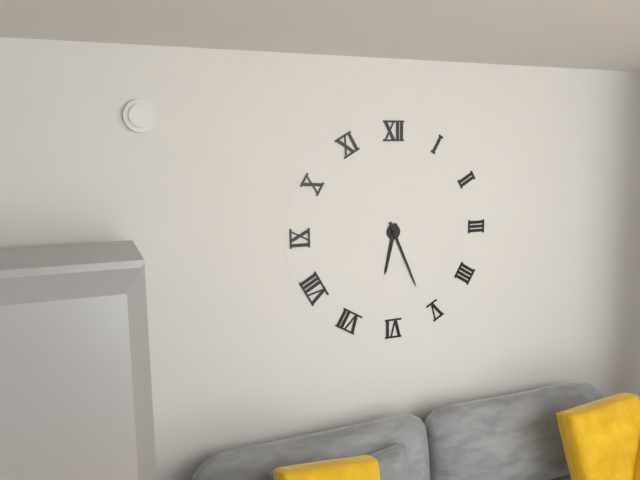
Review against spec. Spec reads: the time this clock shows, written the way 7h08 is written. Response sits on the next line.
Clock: 6h26
